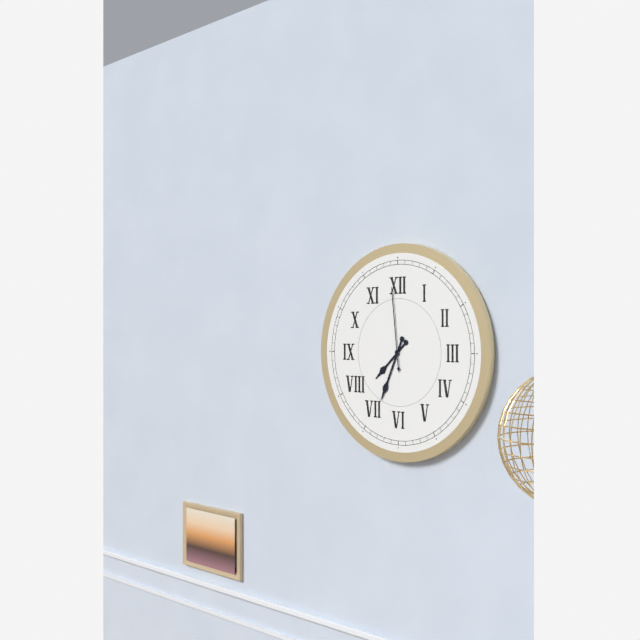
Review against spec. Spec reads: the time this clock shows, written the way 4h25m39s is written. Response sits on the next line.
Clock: 7h34m59s
